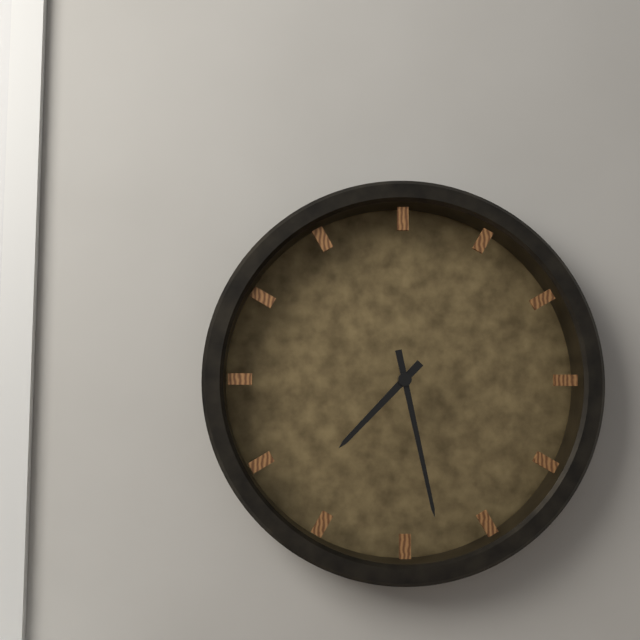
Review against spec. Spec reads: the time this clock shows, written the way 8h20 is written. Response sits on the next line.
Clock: 7h28
